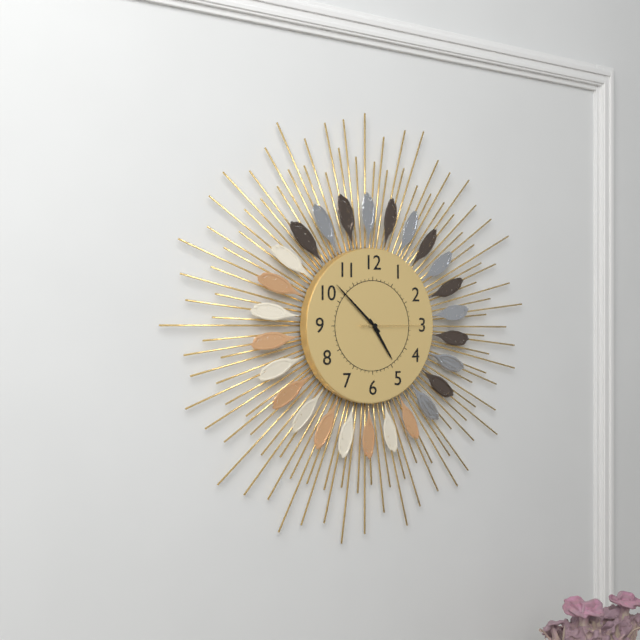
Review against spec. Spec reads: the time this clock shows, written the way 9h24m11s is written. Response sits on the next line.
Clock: 4h52m15s
